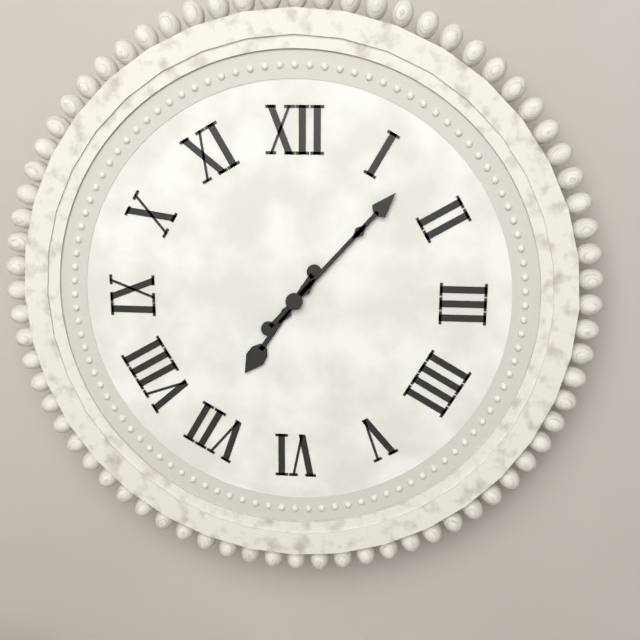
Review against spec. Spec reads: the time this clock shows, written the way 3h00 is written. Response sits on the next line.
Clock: 7h07
